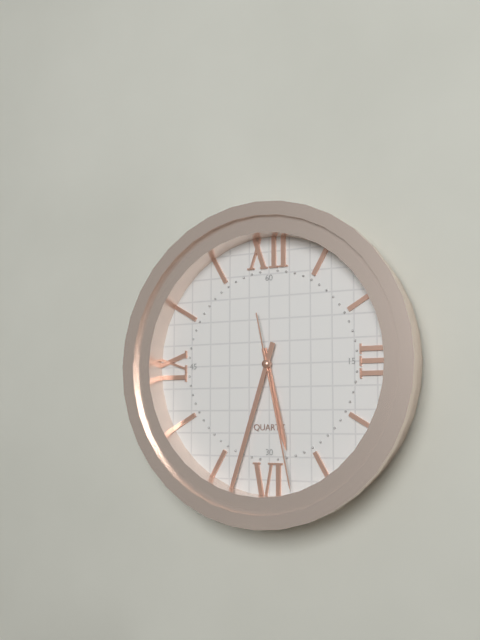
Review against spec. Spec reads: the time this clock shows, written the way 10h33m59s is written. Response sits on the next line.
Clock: 5h33m28s
